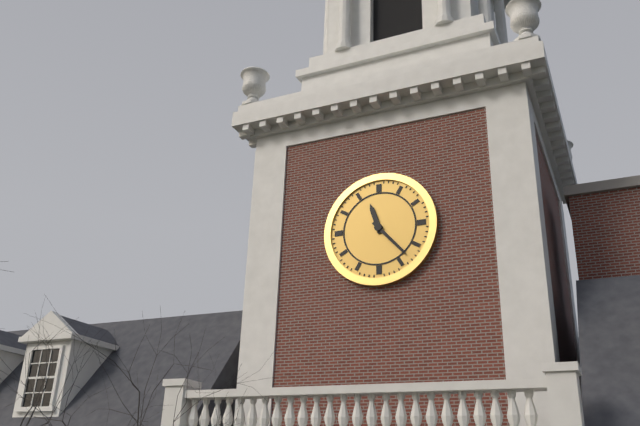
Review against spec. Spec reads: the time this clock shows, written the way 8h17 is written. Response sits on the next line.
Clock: 11h23
